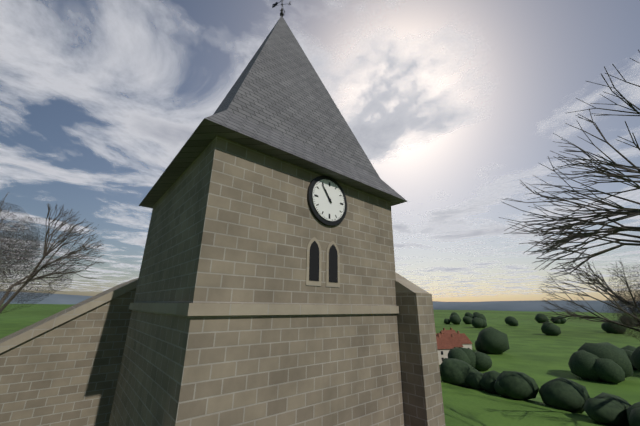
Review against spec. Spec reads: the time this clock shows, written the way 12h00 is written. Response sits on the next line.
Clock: 10h54
